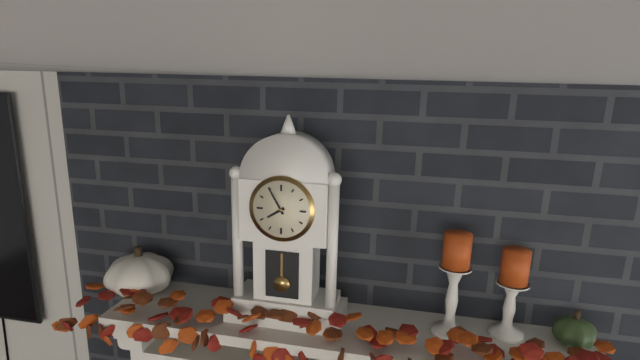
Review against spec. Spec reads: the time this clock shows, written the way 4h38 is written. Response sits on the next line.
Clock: 7h55
